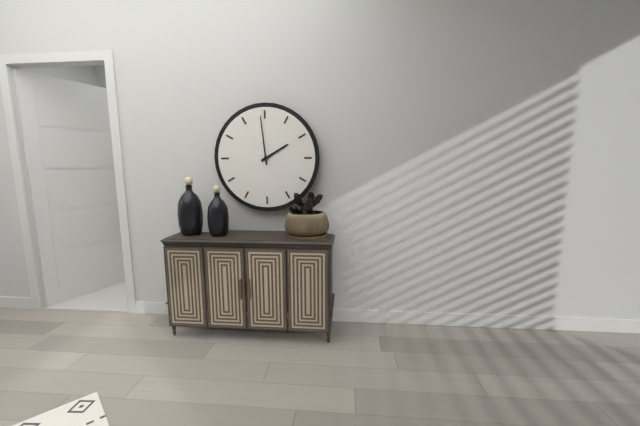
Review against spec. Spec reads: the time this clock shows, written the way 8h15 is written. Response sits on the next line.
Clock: 1h59
